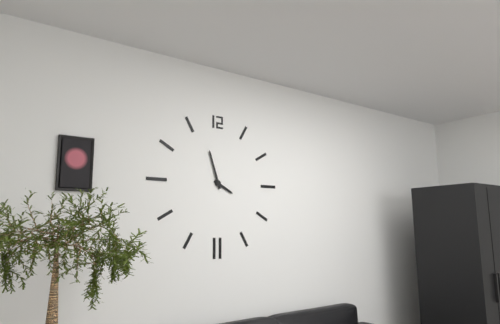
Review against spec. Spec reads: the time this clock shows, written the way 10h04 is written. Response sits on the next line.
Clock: 3h57
